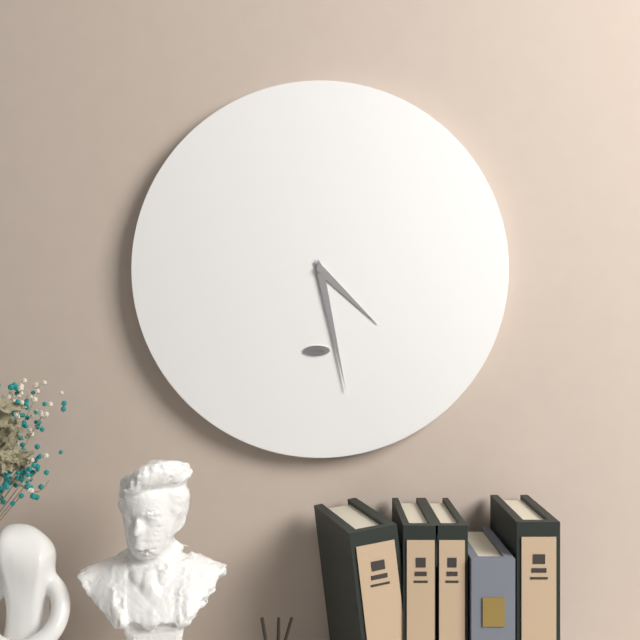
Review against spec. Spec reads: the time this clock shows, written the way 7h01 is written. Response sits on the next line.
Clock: 4h28
